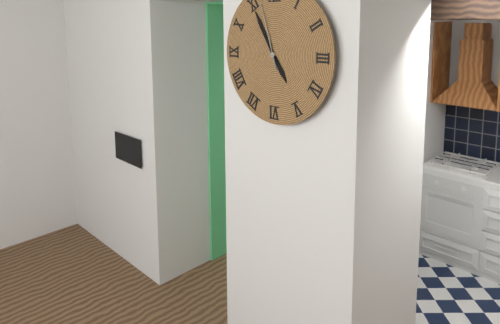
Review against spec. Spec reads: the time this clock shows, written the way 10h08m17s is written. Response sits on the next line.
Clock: 4h55m57s
